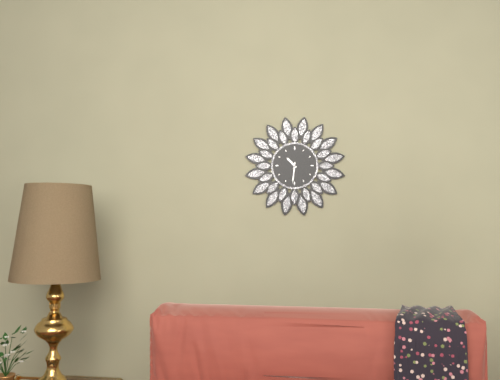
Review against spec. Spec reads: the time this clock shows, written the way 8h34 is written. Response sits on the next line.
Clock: 10h31
